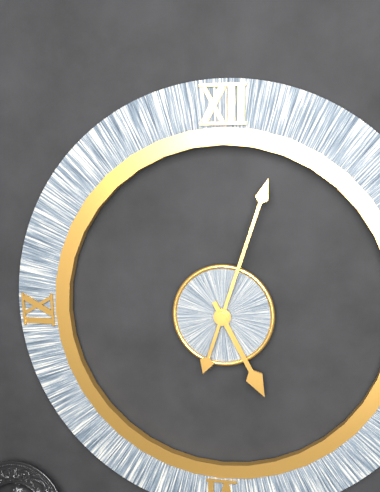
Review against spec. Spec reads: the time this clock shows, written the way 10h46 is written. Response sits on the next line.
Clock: 5h03
